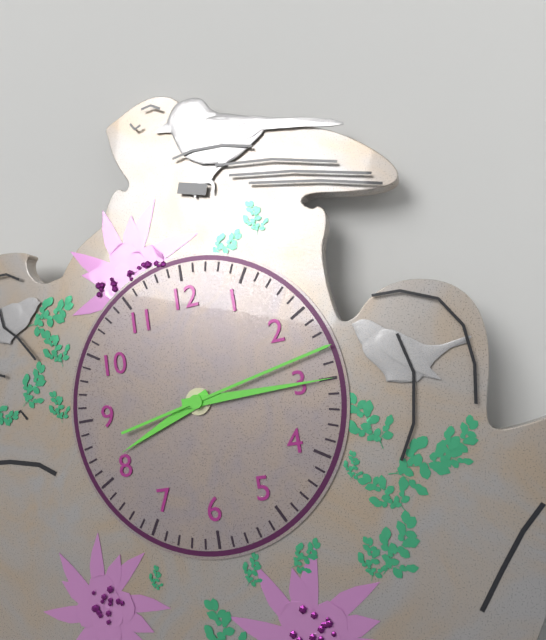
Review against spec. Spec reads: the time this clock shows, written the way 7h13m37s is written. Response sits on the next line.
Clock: 8h15m13s
